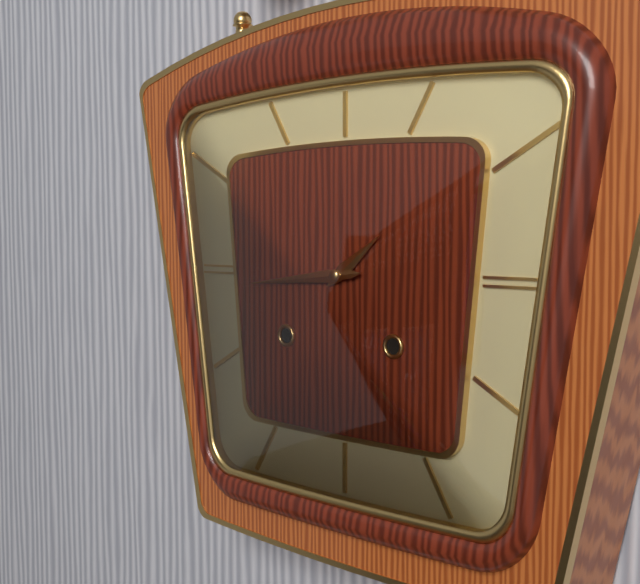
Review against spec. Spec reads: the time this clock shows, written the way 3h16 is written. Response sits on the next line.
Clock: 1h44
